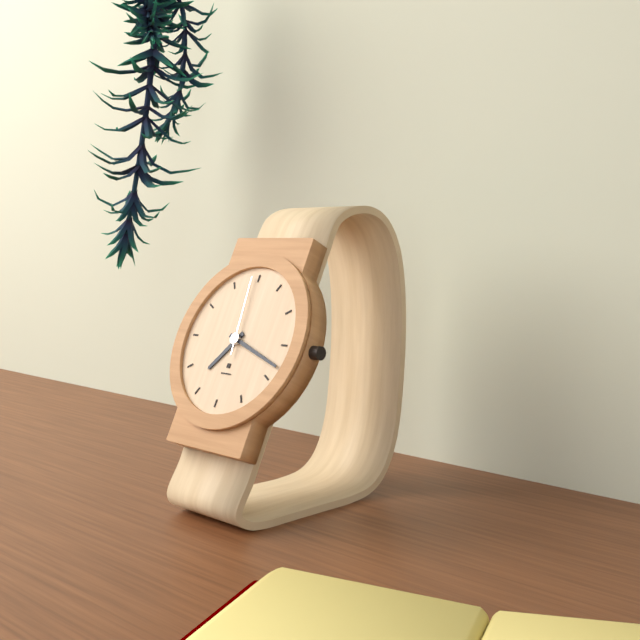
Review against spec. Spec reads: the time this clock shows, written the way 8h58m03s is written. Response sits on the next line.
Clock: 7h18m59s
